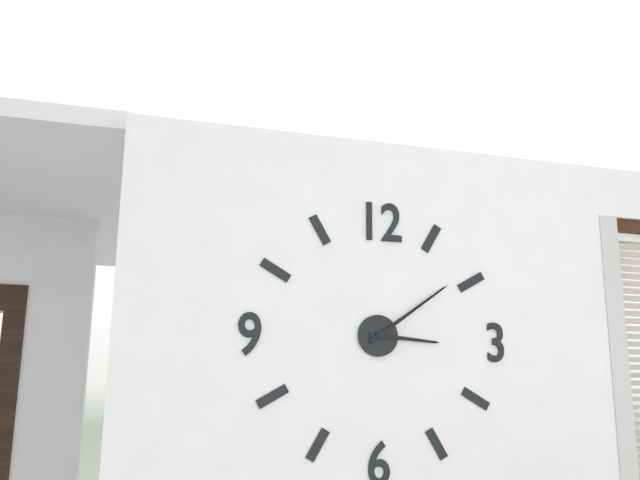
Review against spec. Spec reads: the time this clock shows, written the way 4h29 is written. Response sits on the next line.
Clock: 3h09
